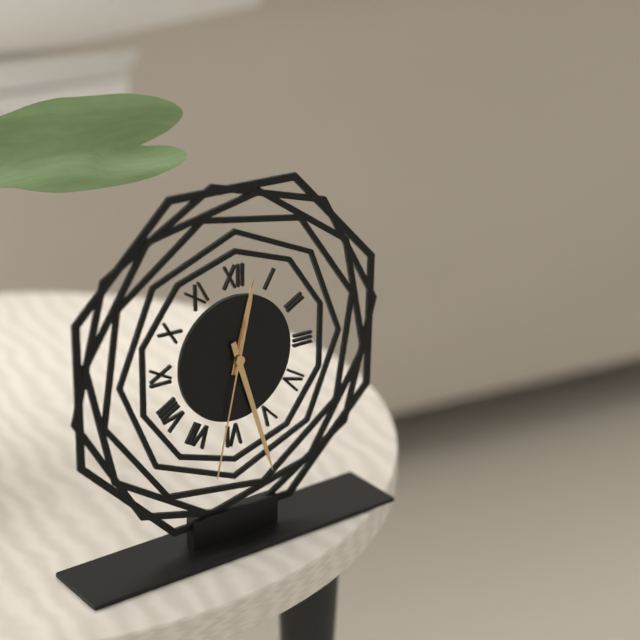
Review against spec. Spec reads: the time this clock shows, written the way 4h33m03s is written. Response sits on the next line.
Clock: 12h27m32s
